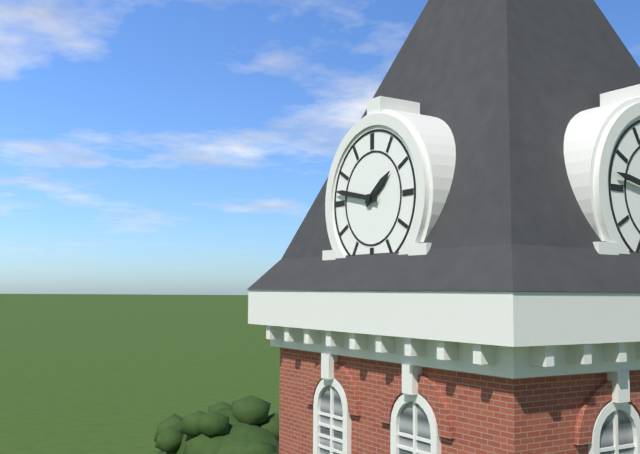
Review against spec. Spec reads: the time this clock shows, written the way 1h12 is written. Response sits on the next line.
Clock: 1h47
